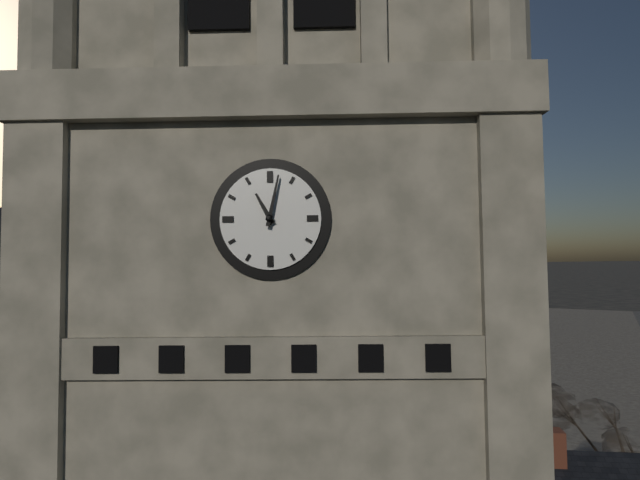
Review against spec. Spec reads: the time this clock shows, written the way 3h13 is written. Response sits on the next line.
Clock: 11h02
